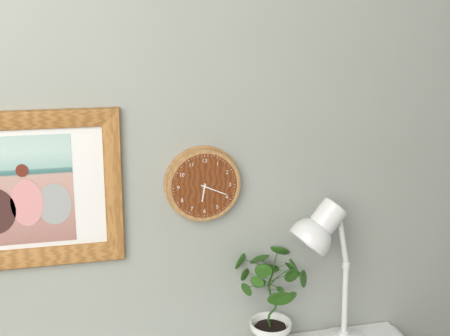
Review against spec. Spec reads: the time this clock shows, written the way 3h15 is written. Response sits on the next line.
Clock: 6h19
